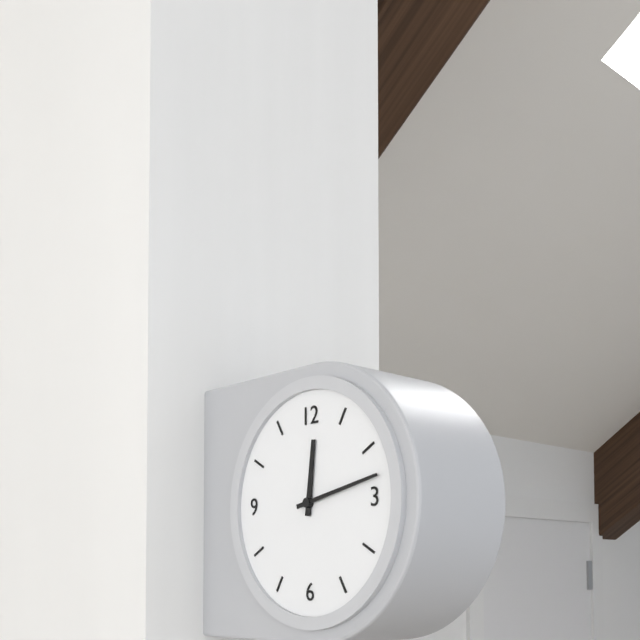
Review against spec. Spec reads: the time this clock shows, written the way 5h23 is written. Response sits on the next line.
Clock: 12h13
